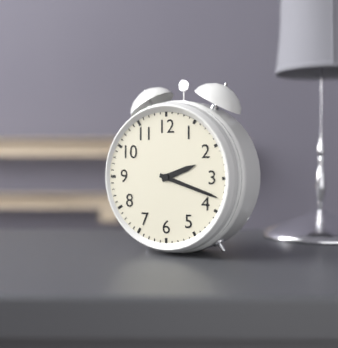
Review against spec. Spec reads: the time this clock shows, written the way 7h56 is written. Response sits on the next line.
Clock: 2h18
